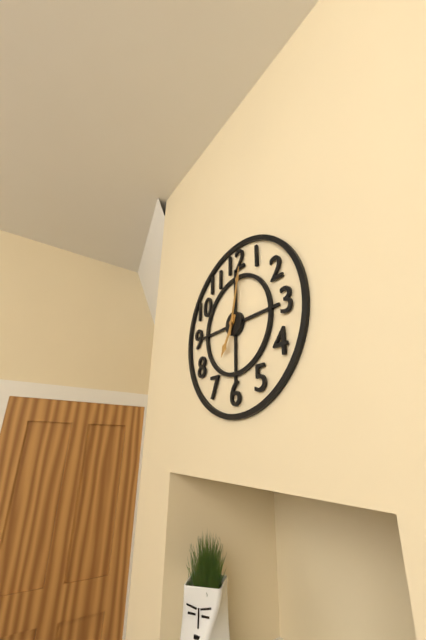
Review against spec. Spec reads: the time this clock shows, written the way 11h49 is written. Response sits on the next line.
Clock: 7h02
